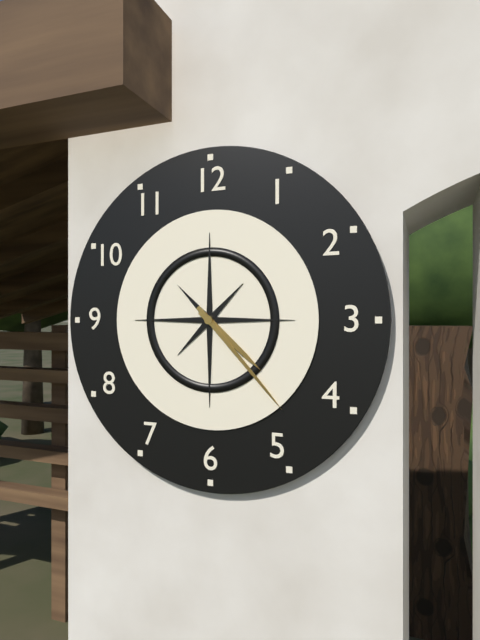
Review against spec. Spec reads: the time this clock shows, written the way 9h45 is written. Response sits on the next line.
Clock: 4h23
